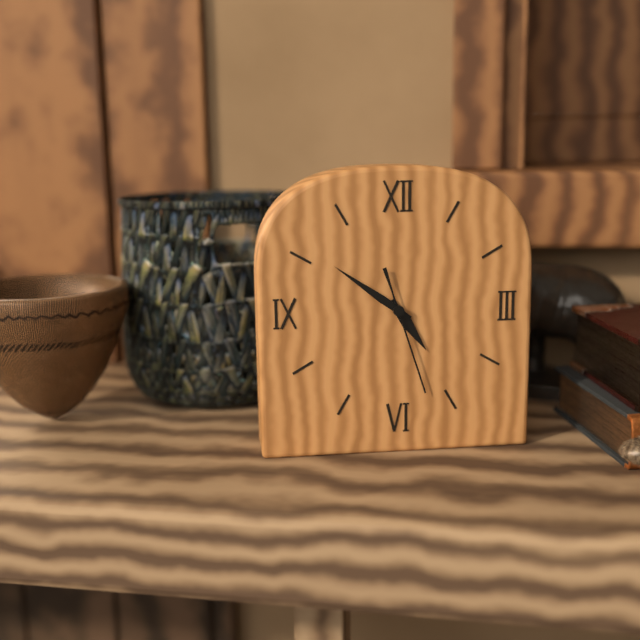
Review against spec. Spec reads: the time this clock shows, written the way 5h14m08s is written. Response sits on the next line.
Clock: 4h51m27s
